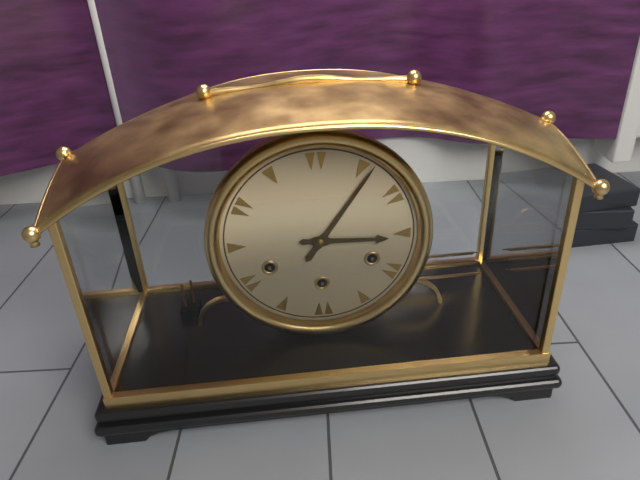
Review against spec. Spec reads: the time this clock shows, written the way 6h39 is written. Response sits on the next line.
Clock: 3h06
